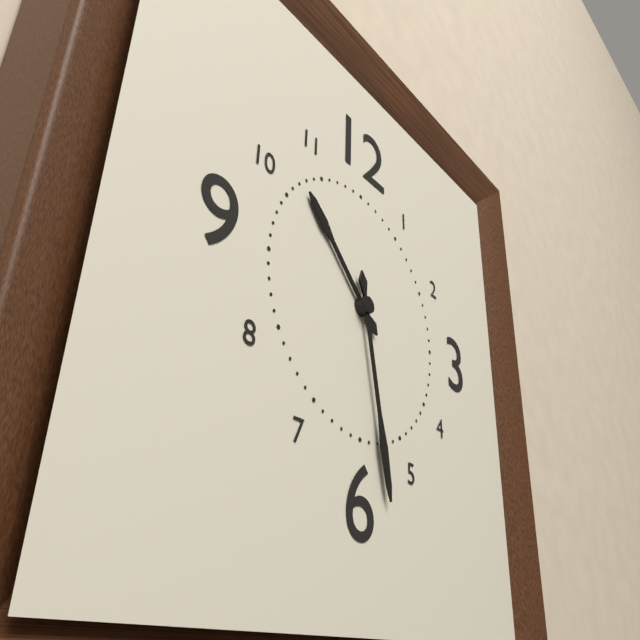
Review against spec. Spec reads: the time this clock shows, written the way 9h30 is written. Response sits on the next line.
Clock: 10h28
